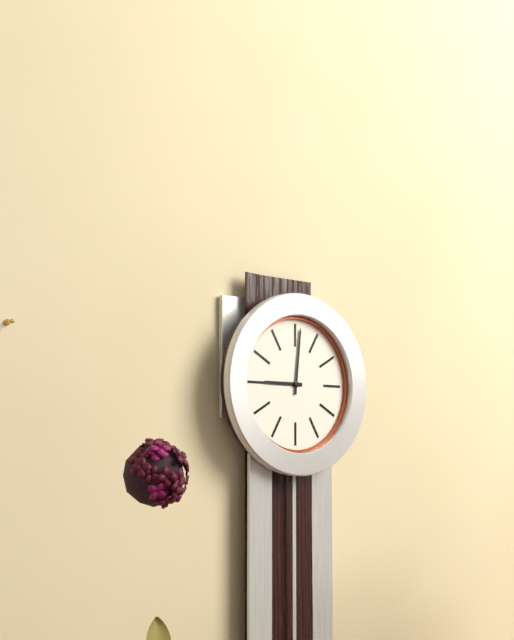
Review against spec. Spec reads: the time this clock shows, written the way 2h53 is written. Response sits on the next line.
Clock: 9h01
